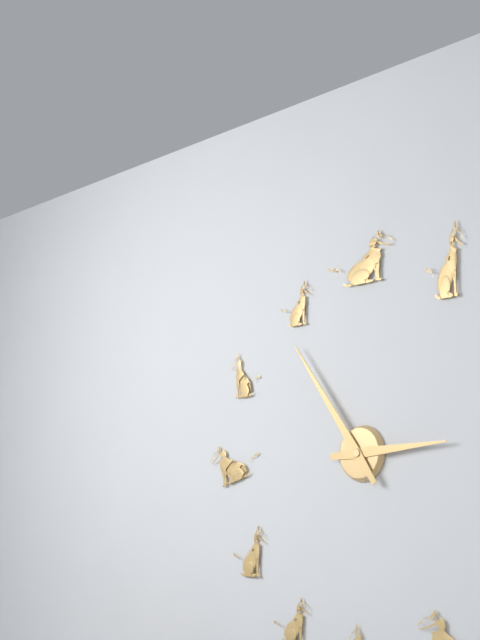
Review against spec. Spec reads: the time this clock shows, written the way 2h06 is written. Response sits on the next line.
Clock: 2h54
